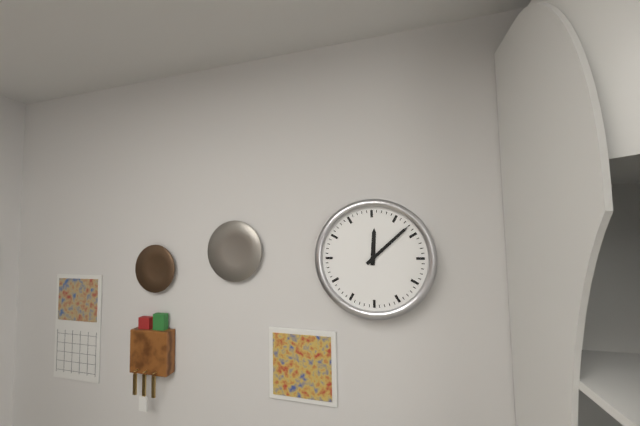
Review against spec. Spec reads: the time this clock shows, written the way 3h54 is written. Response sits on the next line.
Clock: 12h08
